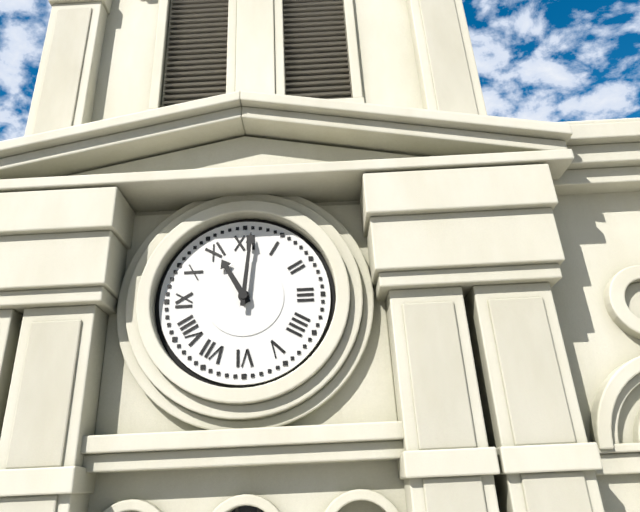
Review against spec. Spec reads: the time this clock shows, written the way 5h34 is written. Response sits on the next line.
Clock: 11h01
